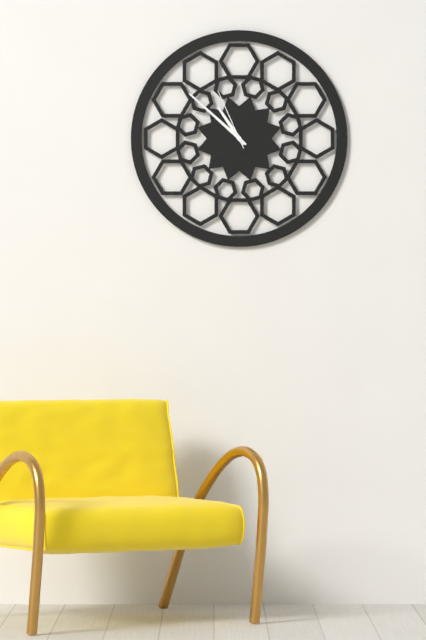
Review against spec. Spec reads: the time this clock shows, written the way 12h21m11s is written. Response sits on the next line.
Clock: 10h52m56s
